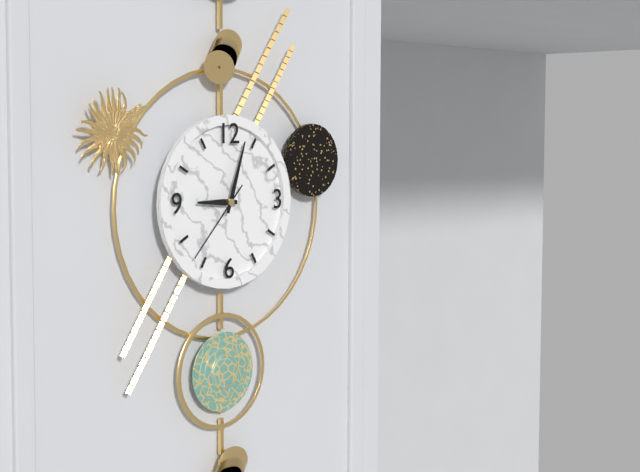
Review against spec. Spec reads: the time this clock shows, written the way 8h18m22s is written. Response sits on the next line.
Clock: 9h03m37s
